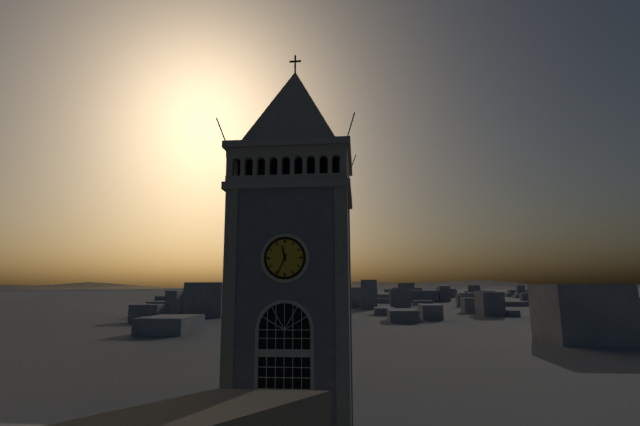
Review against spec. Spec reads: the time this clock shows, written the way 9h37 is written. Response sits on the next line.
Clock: 11h34
